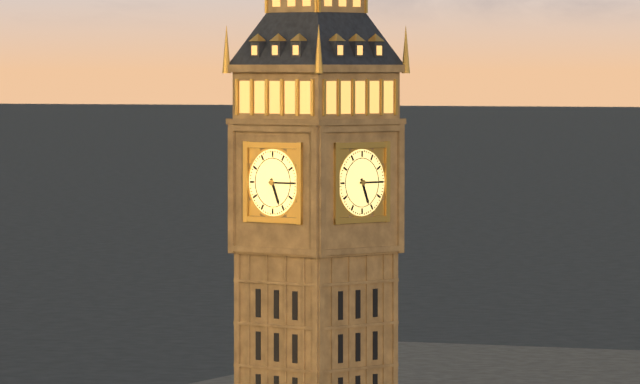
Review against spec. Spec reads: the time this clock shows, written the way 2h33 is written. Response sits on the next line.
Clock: 5h15
